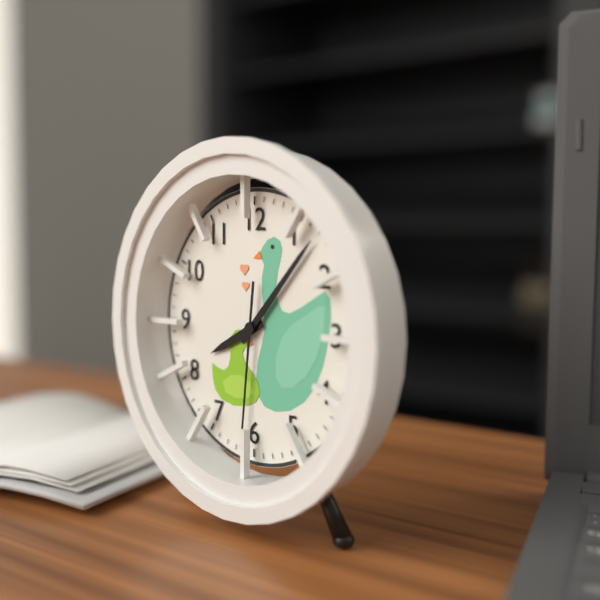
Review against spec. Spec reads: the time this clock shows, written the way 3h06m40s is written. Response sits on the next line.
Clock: 8h07m31s
